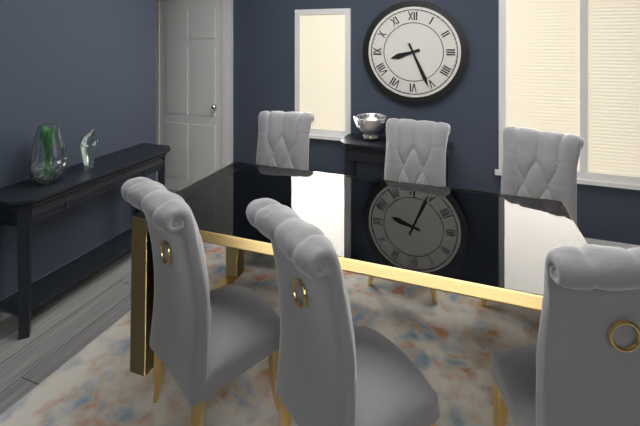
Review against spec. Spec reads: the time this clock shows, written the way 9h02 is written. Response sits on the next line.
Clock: 8h26
